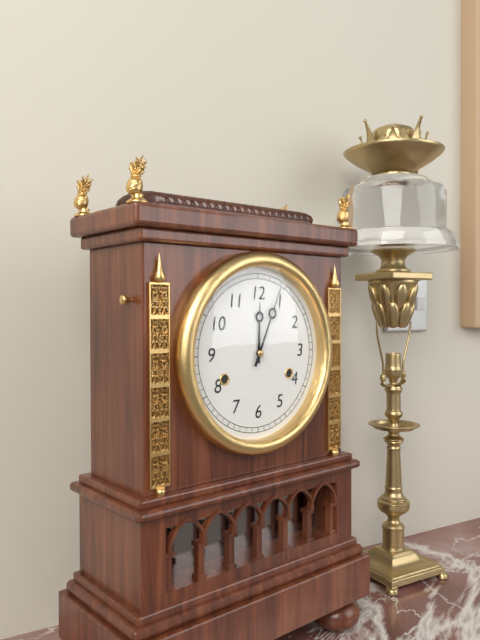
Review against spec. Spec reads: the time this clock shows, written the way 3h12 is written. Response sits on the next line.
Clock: 12h04
